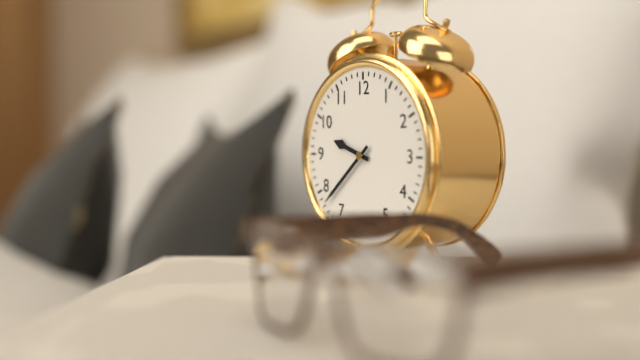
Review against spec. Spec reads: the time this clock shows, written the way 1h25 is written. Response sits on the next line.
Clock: 9h38
